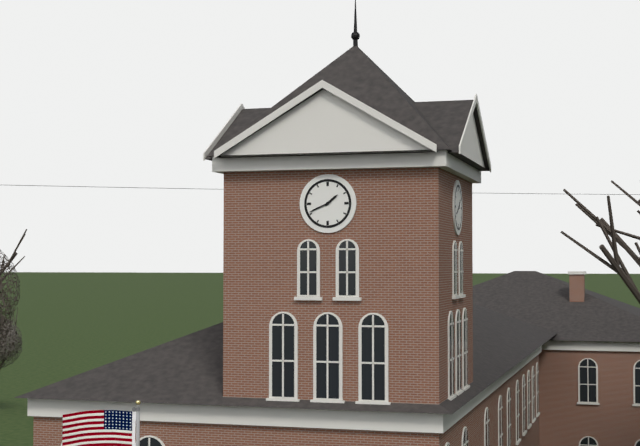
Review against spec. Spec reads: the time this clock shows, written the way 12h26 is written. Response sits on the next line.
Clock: 1h41
